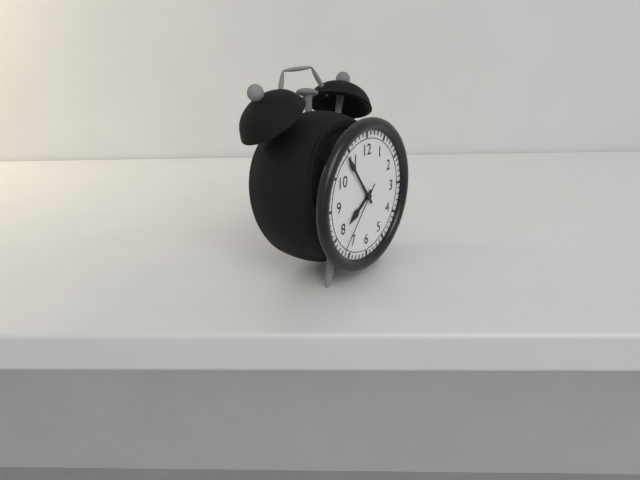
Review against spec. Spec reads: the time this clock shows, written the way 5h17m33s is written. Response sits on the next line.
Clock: 7h54m37s
